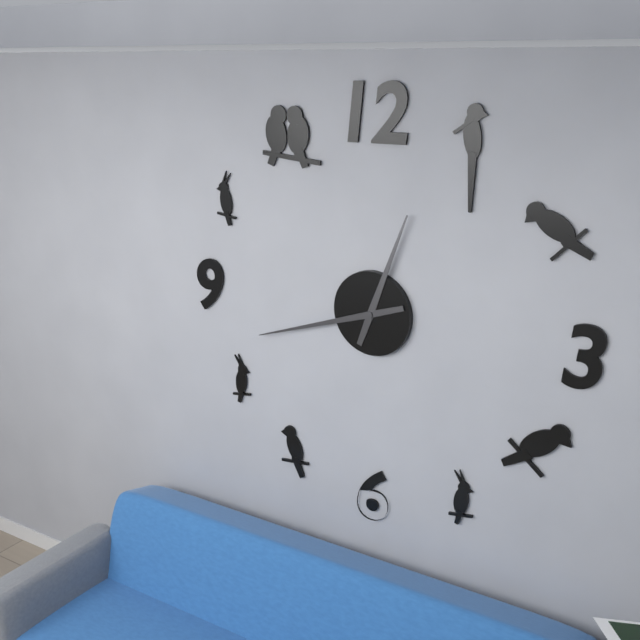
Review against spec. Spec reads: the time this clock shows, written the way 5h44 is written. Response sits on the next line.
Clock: 12h42
